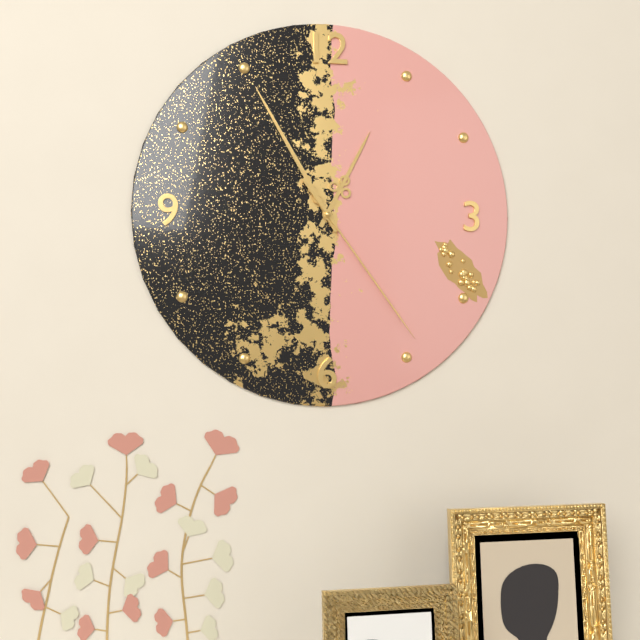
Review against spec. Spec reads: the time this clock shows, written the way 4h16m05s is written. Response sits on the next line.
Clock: 12h55m24s
